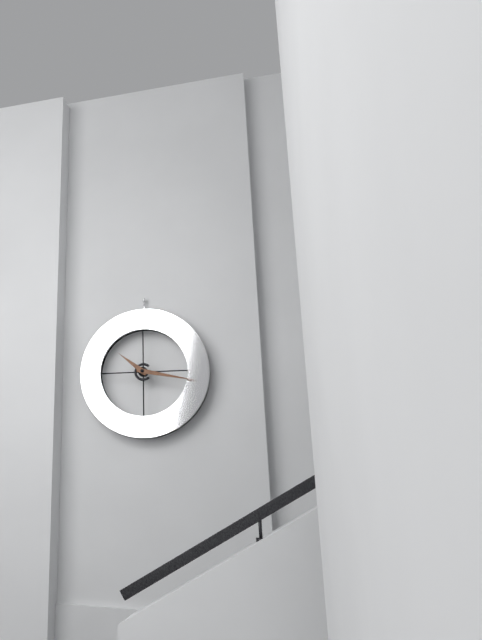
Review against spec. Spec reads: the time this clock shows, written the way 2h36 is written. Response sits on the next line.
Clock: 10h17
